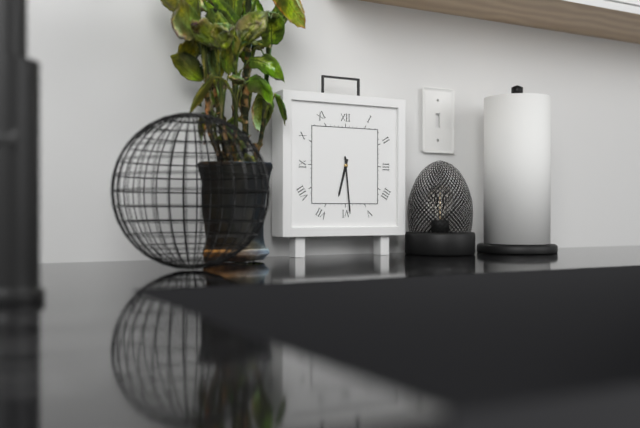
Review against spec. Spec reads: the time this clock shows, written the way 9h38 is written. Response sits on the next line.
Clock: 6h29
